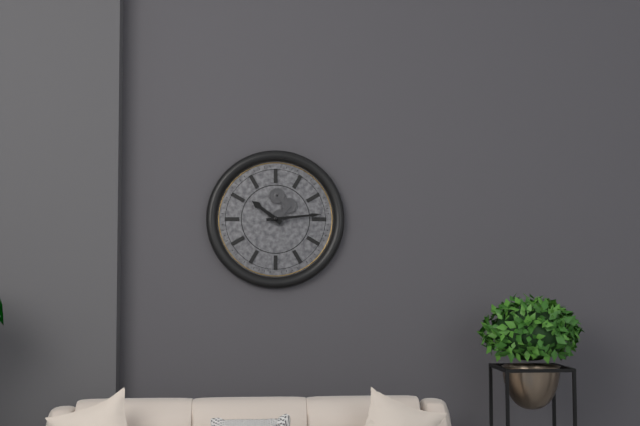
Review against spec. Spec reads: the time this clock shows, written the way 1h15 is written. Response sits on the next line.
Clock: 10h14
